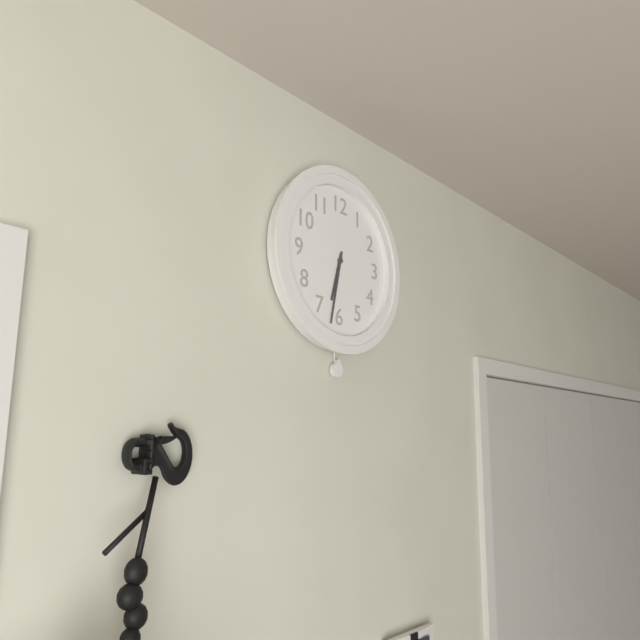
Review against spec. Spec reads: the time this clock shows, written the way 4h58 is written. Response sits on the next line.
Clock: 6h32
